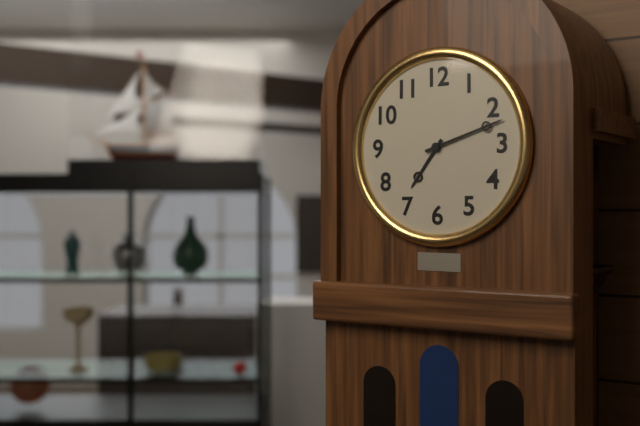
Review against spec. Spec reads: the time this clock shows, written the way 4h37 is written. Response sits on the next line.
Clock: 7h12
